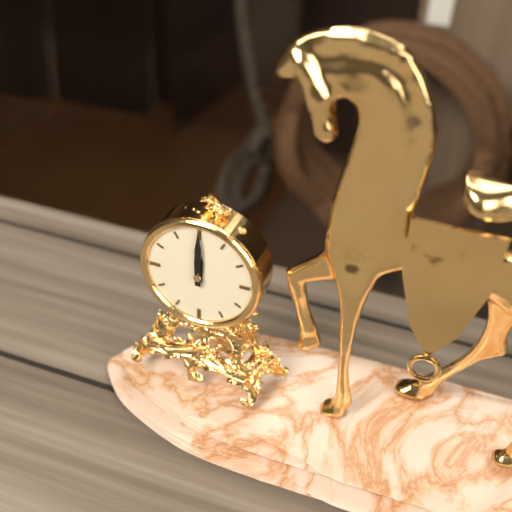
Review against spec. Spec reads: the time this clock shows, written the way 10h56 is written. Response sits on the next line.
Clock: 12h00
